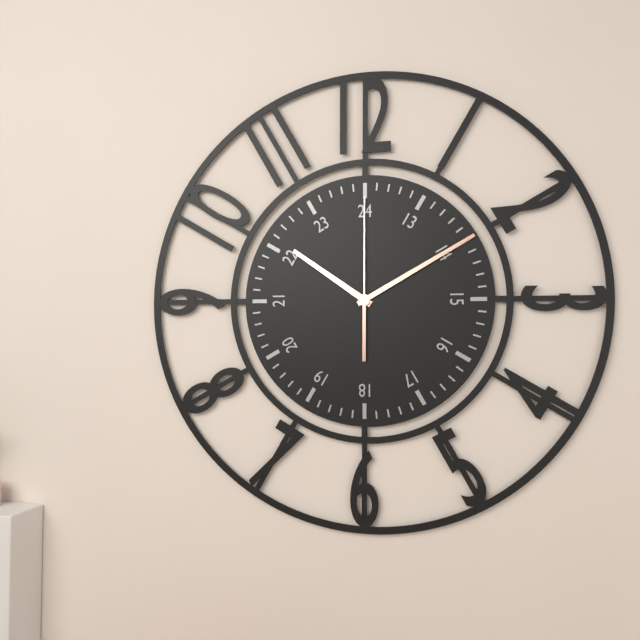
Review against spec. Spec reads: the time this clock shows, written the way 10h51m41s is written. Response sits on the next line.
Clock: 10h10m00s
